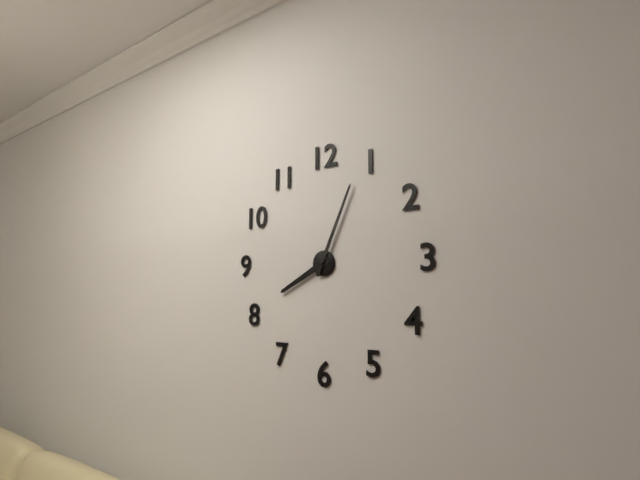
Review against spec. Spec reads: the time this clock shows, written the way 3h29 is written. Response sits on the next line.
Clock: 8h04
